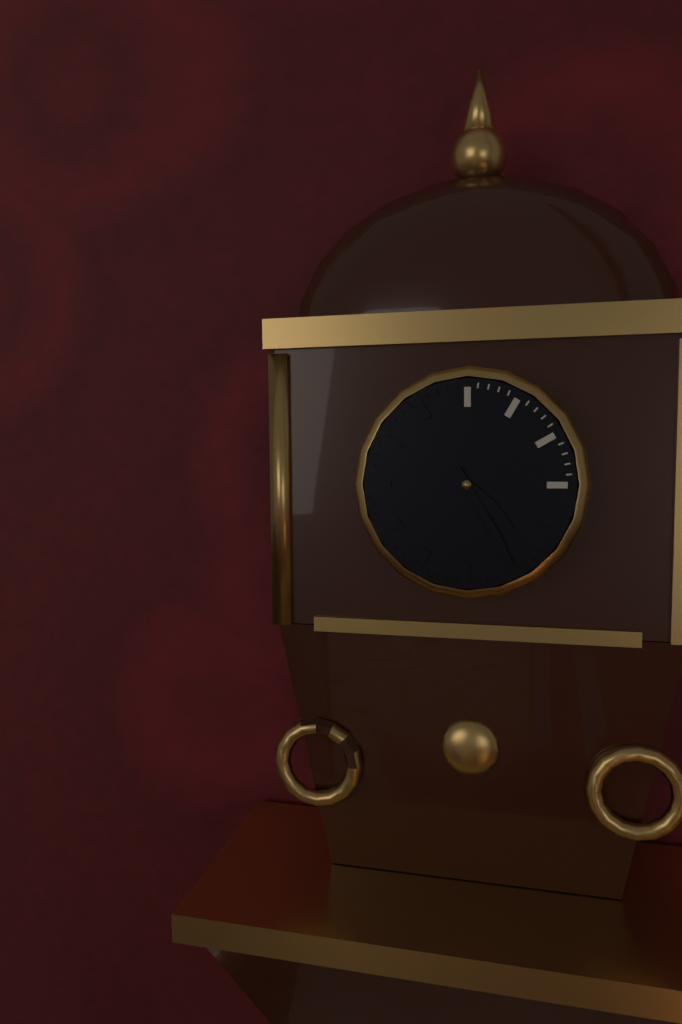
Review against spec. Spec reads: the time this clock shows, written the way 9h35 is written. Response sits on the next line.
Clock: 4h25
